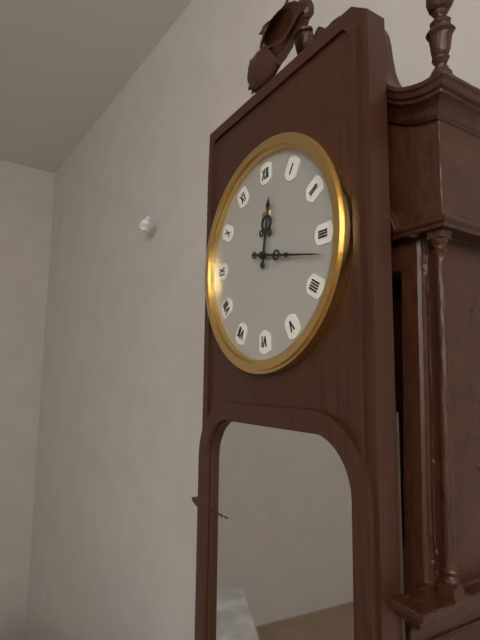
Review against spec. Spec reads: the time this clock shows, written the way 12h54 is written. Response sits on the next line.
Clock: 12h17
